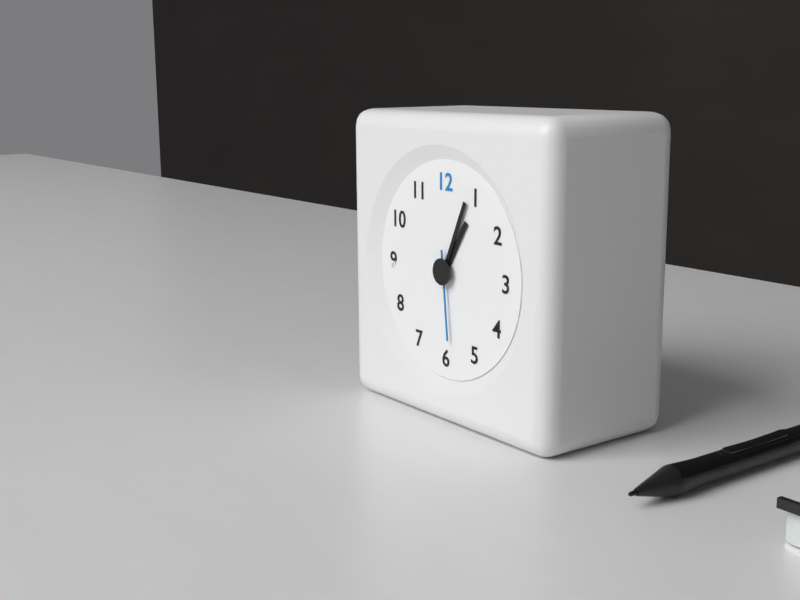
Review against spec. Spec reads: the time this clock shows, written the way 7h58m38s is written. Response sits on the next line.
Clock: 1h04m29s
